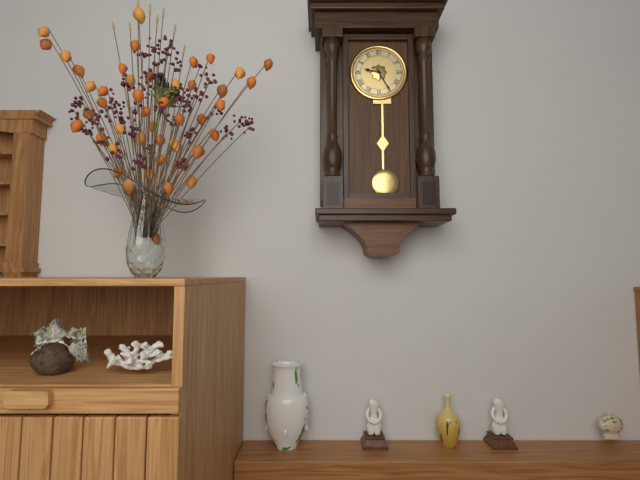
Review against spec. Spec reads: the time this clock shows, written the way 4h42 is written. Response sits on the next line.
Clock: 9h25
